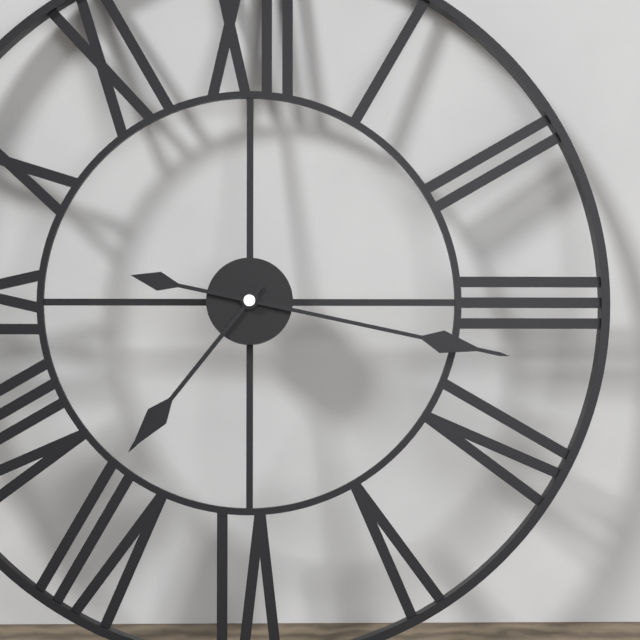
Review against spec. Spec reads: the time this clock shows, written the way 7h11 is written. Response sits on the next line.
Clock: 7h17
